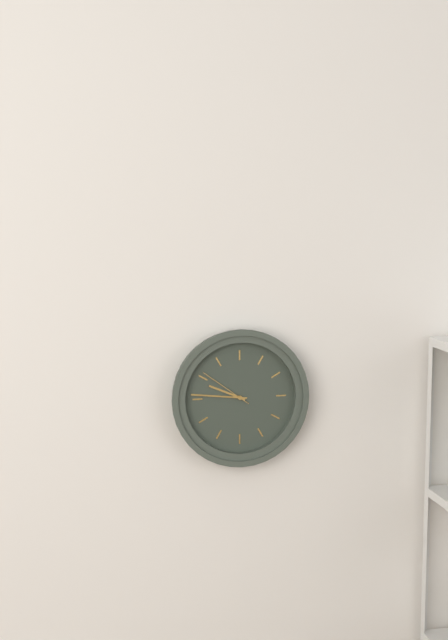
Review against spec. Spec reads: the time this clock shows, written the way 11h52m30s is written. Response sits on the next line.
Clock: 9h46m51s
